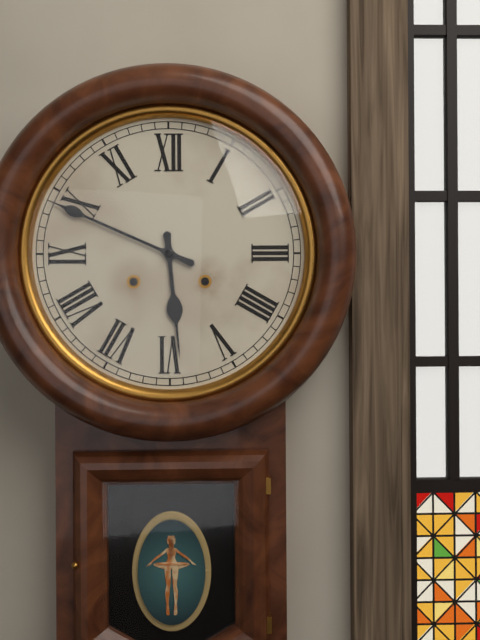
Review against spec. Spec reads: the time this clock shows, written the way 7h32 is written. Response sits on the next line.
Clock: 5h49
